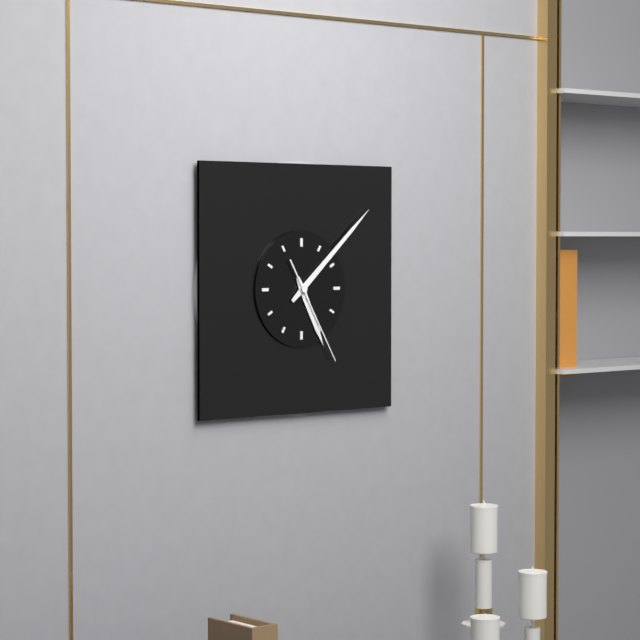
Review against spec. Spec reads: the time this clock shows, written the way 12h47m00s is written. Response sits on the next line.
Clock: 5h08m25s
